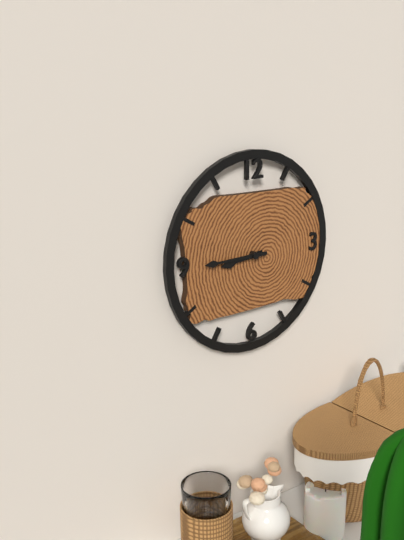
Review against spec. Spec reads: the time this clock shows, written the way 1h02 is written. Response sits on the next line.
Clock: 8h45
